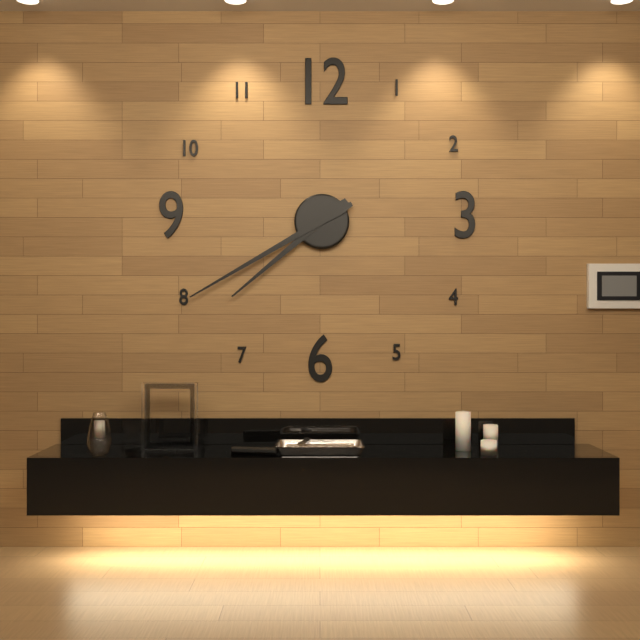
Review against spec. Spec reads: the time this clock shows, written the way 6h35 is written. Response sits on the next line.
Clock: 7h40
